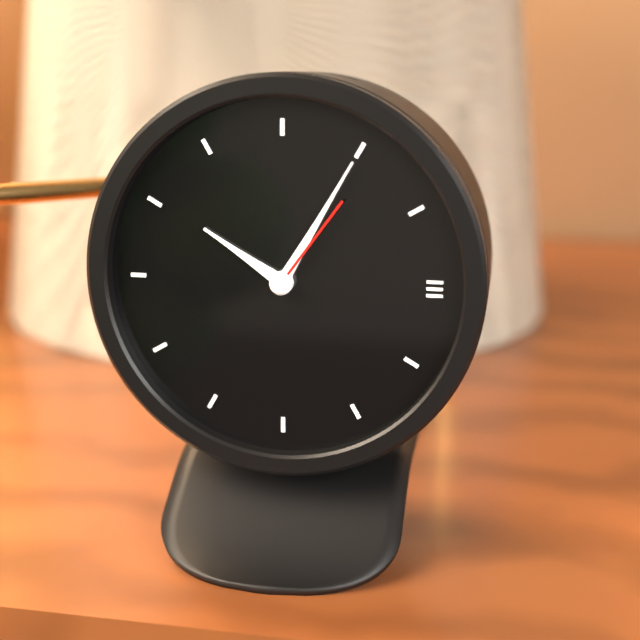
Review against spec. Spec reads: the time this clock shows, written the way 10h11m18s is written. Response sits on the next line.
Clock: 10h05m06s
